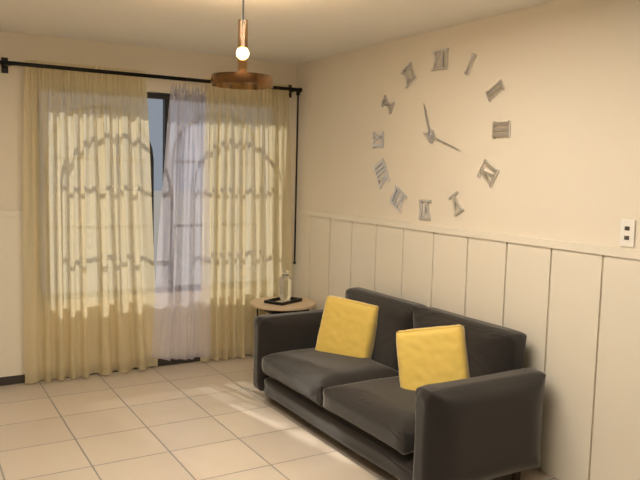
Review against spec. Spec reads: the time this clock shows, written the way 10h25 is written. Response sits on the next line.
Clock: 11h18
